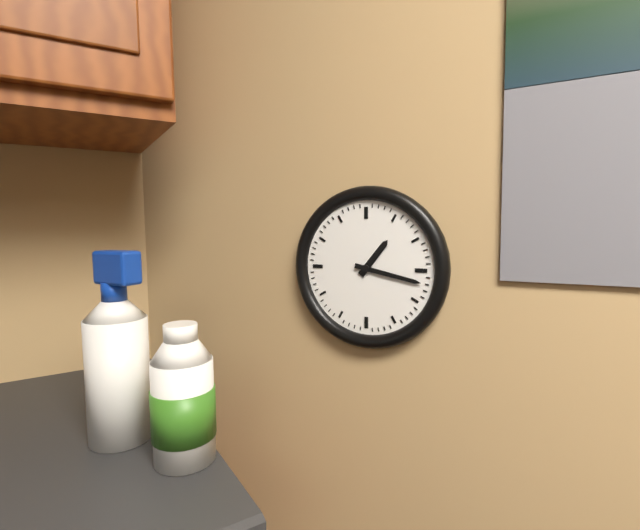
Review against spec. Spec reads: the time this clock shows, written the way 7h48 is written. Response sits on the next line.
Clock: 1h17
